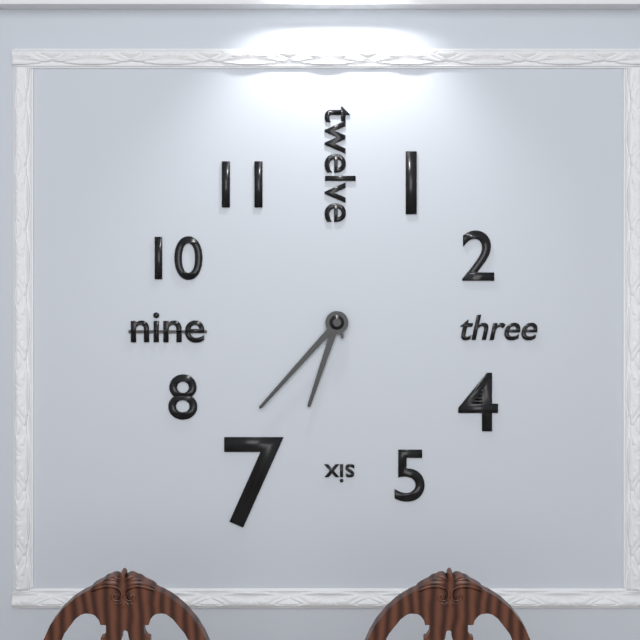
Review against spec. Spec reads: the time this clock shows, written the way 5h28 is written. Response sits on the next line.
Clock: 6h37
